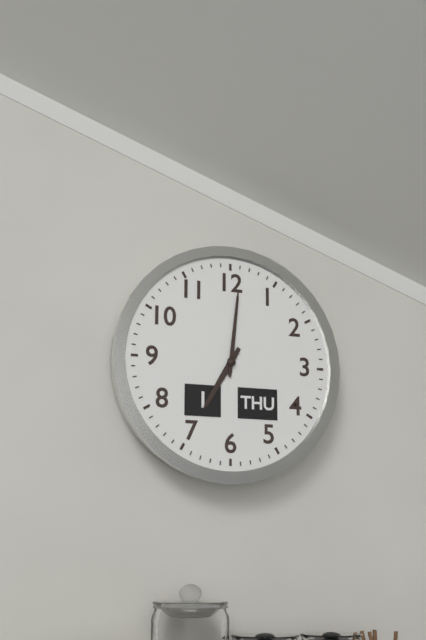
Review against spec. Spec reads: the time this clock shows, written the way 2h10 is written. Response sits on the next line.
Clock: 7h01
